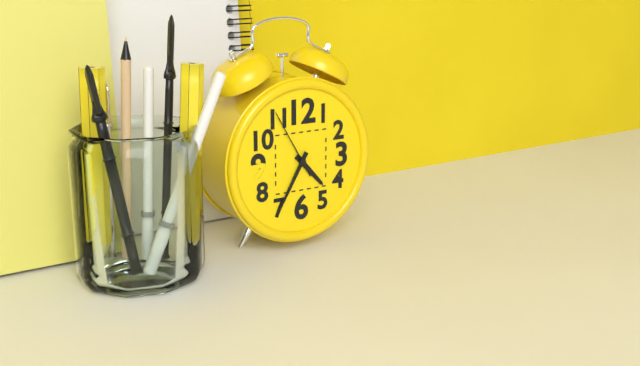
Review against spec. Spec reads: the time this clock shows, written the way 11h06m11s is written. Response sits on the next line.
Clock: 4h35m55s
